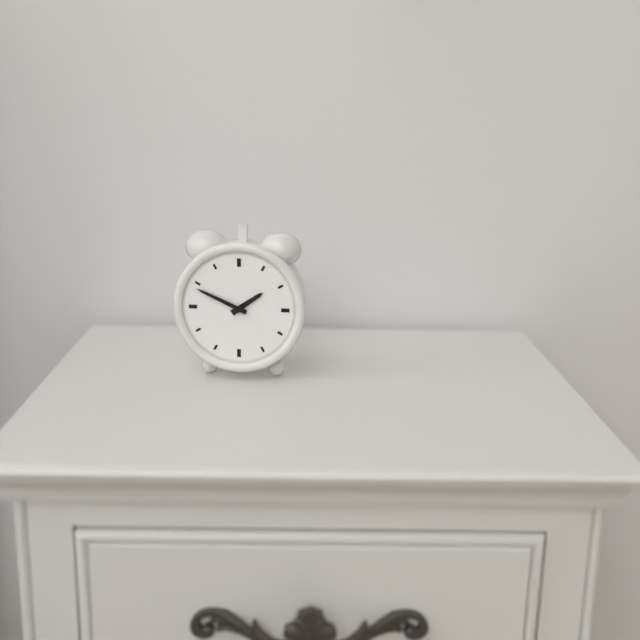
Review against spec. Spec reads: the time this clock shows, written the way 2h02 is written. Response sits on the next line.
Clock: 1h49
